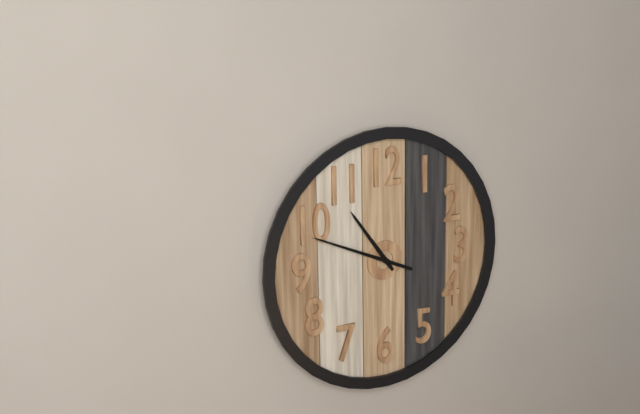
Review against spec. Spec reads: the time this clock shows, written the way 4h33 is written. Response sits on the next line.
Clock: 10h49
